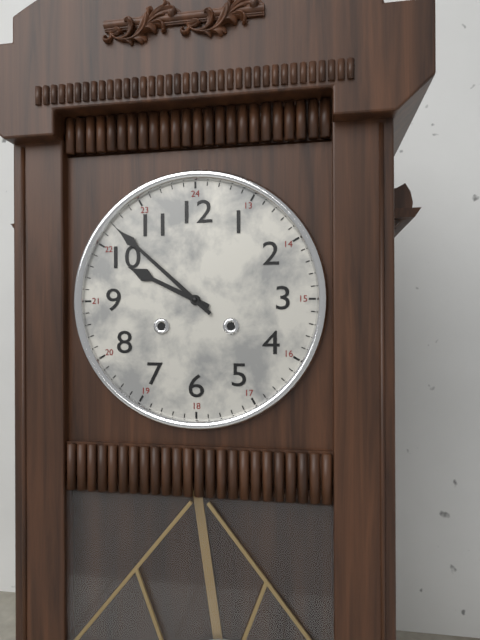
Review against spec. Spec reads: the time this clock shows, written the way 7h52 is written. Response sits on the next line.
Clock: 9h52
